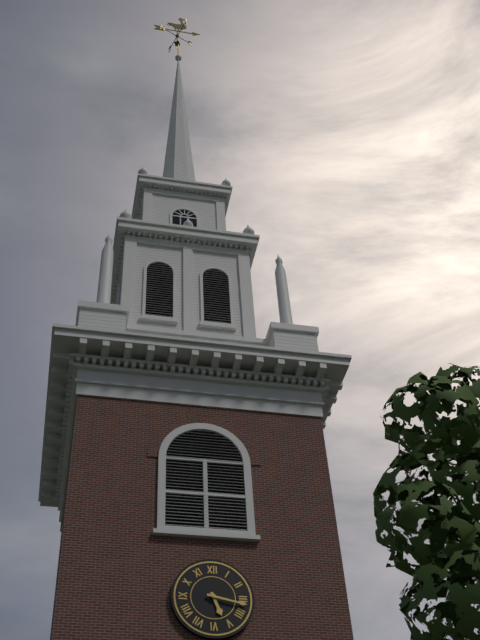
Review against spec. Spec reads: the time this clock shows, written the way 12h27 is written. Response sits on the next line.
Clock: 5h17
